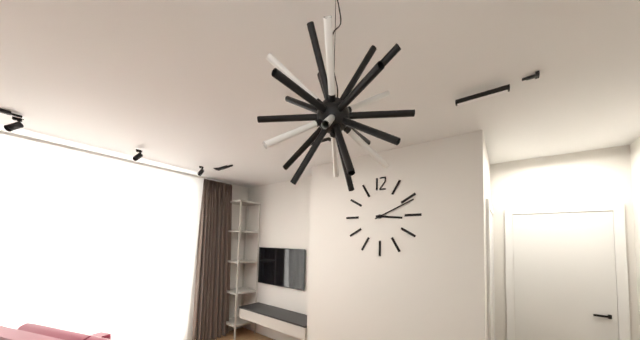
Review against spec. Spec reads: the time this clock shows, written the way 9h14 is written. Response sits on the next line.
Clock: 3h11
